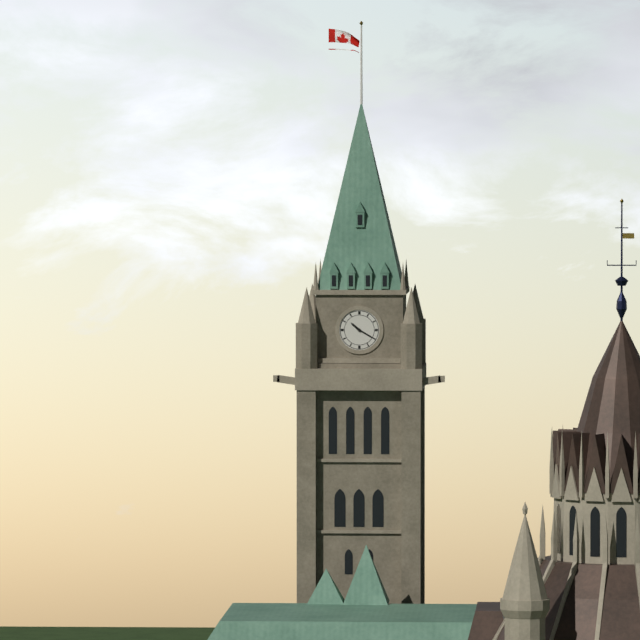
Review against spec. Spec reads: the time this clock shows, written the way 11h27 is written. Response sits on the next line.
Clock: 10h20
